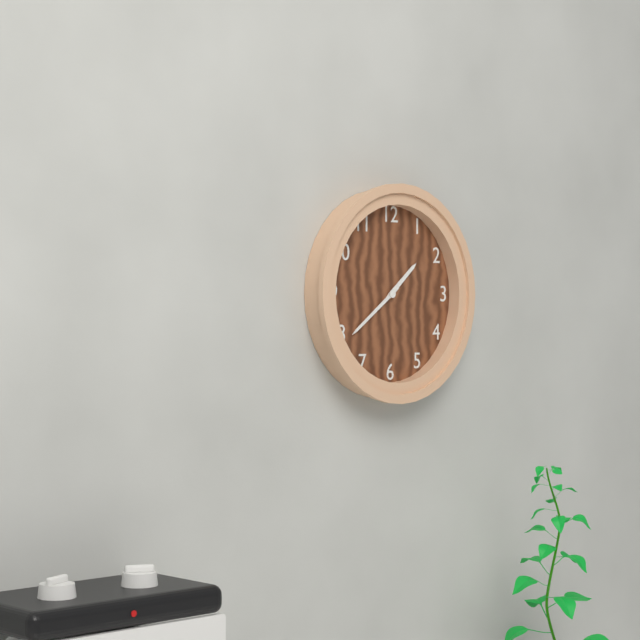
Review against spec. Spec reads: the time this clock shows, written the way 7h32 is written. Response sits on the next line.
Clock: 1h39
